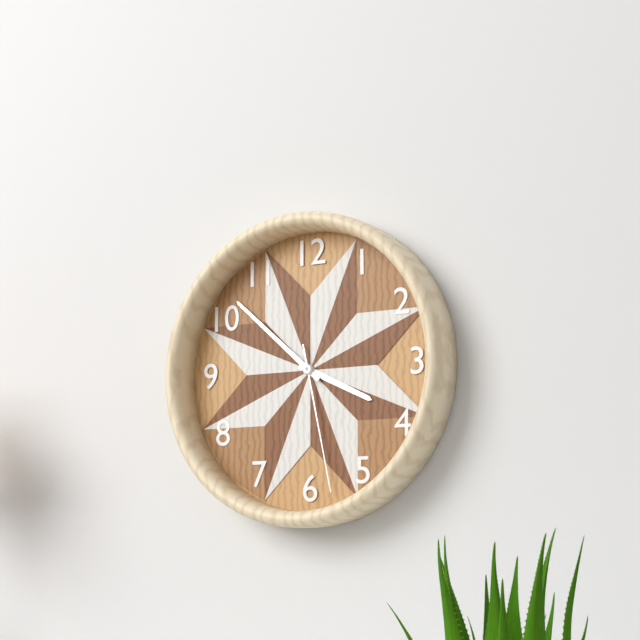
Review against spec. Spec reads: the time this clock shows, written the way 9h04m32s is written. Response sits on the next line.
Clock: 3h52m28s
